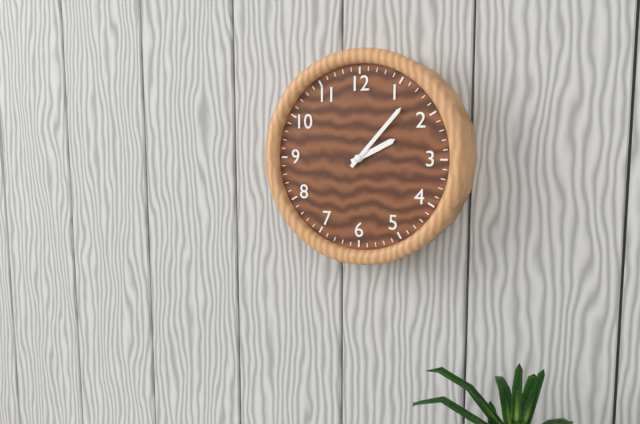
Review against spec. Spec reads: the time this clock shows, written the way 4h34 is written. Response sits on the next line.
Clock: 2h07
